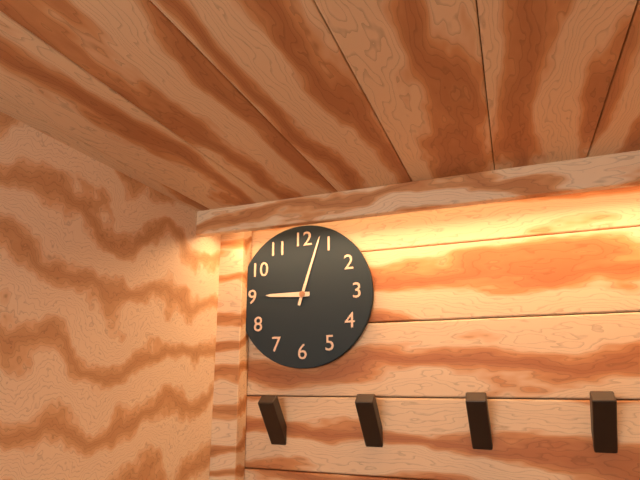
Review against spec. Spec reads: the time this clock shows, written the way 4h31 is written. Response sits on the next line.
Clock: 9h03
